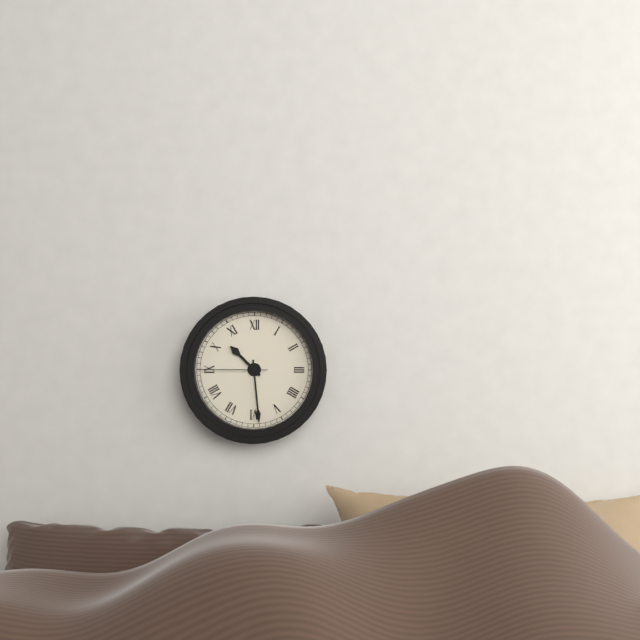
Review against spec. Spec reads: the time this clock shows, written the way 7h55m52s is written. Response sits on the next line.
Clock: 10h29m45s
